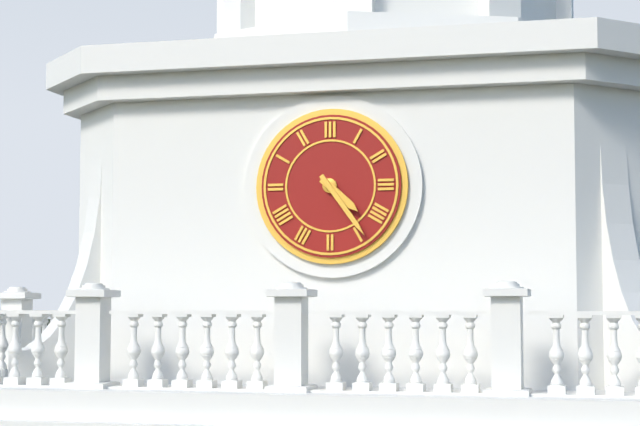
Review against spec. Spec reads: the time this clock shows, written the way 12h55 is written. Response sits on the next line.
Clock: 4h24
